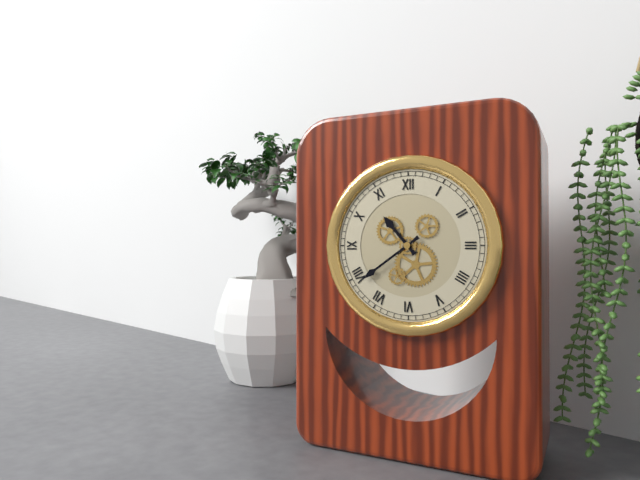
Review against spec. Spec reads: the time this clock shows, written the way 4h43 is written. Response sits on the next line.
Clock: 10h39
